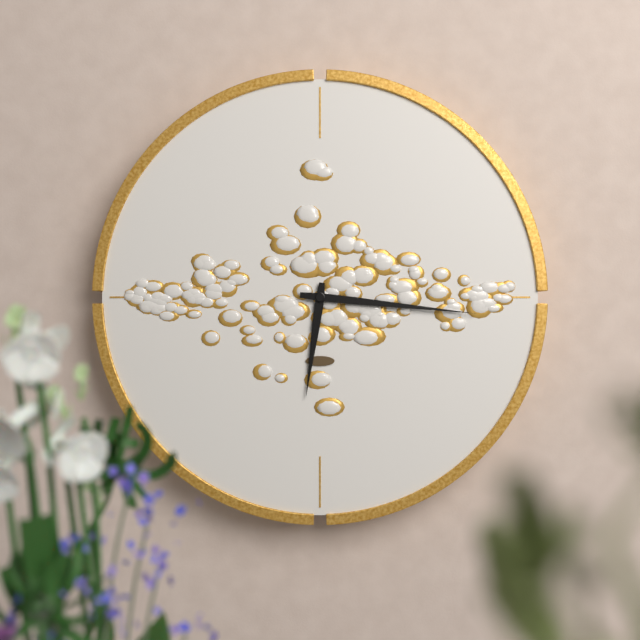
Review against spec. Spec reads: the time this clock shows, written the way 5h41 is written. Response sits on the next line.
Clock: 6h16
